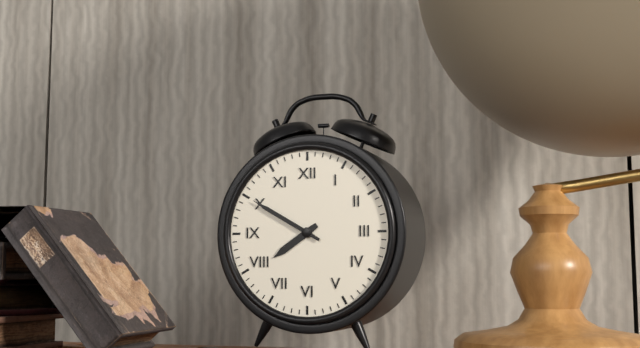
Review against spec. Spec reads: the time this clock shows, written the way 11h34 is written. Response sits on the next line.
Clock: 7h50
